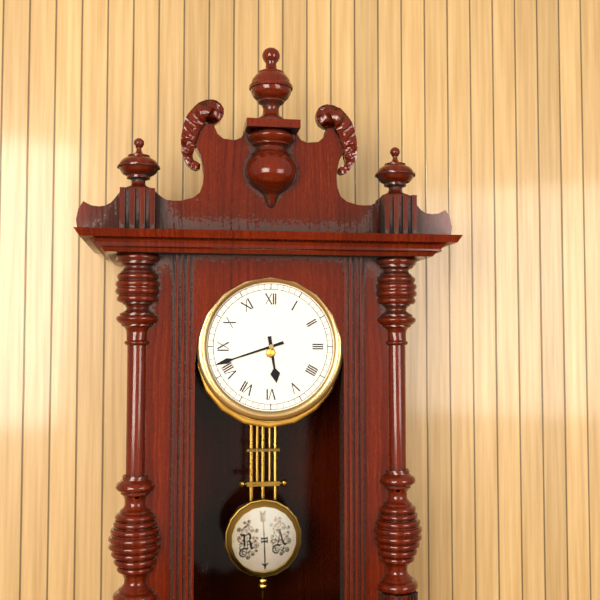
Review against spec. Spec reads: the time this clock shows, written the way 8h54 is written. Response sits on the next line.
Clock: 5h42
